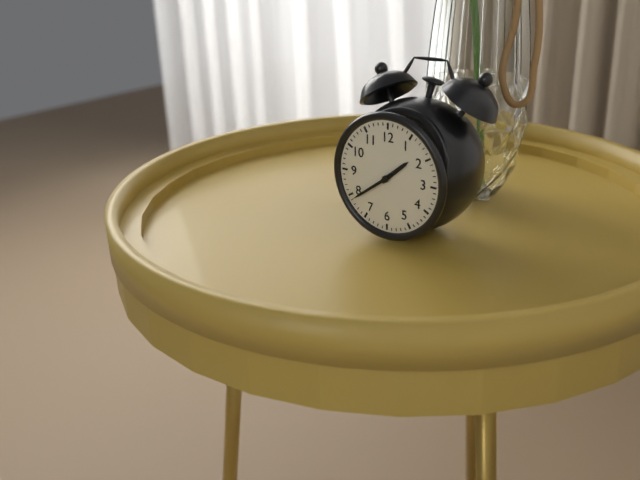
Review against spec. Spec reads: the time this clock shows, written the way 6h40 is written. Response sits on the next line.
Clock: 1h39
